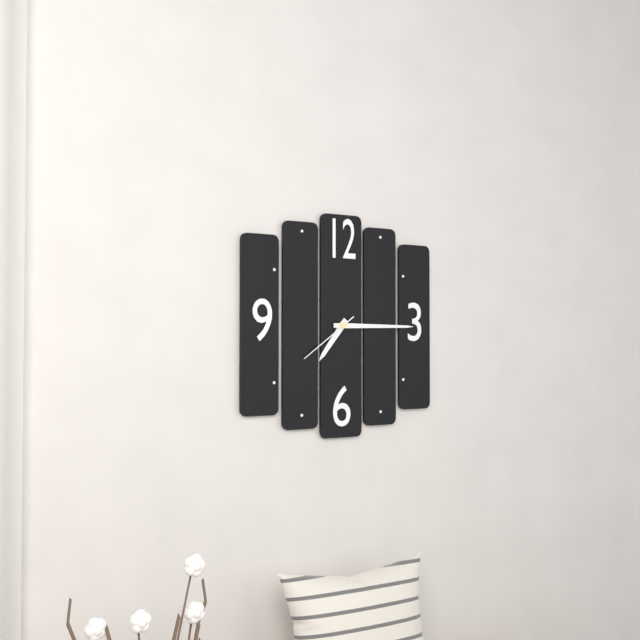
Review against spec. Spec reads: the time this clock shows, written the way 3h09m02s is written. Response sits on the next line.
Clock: 7h15m39s
